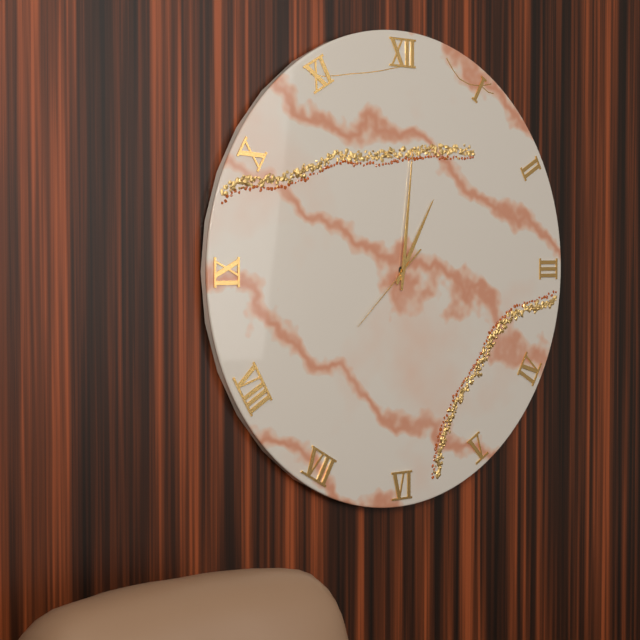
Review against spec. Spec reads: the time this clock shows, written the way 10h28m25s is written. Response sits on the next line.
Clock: 1h01m38s
